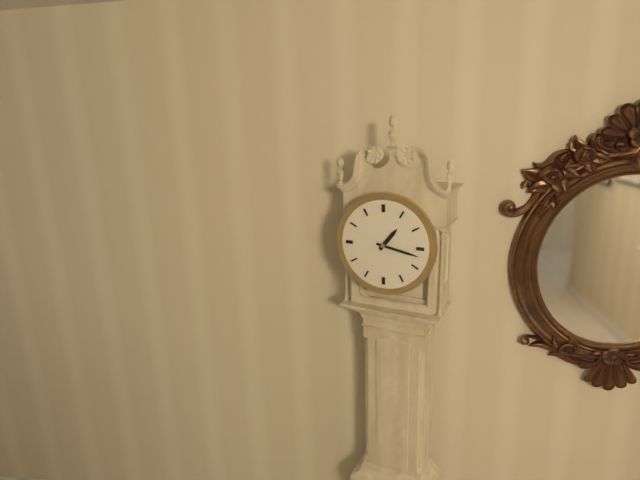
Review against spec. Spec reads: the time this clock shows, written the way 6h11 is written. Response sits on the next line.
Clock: 1h17
